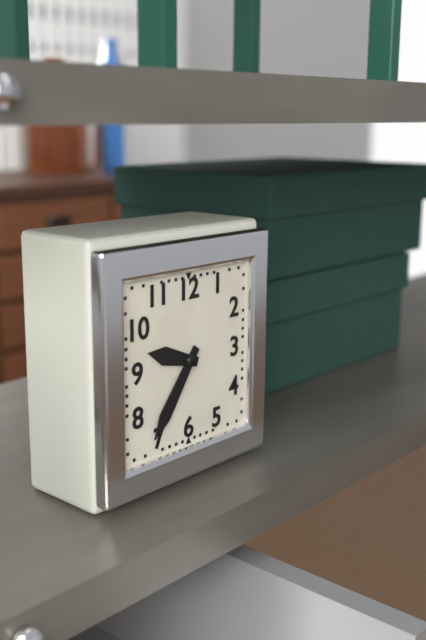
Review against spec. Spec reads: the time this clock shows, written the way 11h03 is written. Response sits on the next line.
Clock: 9h36
